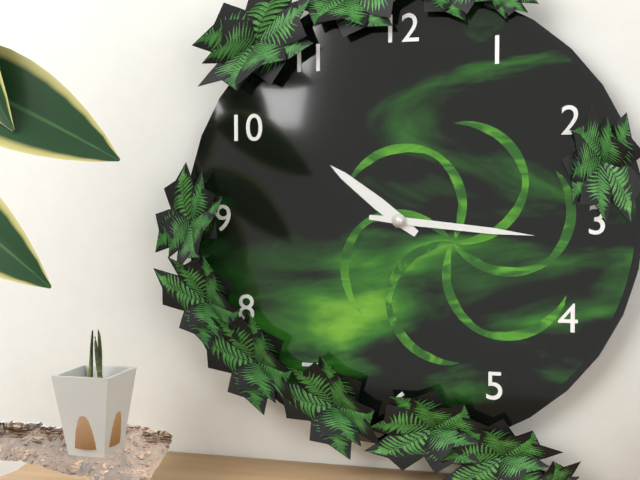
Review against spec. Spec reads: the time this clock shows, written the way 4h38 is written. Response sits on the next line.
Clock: 10h16
